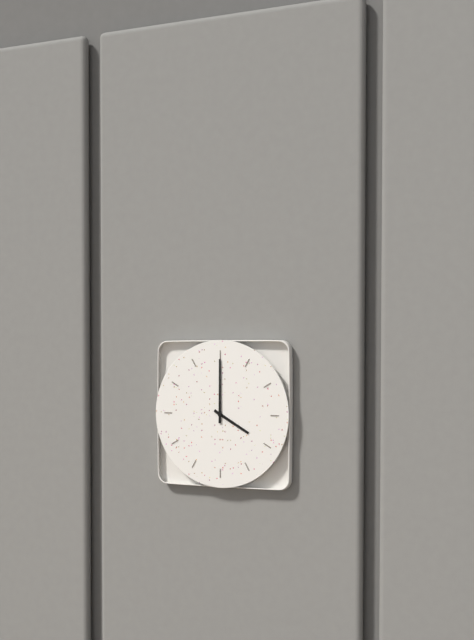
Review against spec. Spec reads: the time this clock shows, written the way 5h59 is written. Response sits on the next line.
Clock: 4h00
